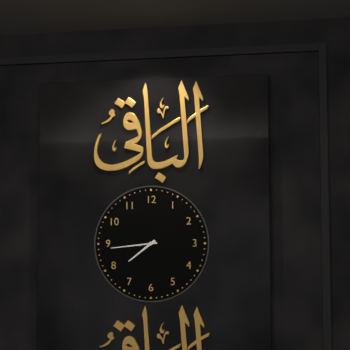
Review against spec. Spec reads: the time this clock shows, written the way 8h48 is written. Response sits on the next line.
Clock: 7h44
